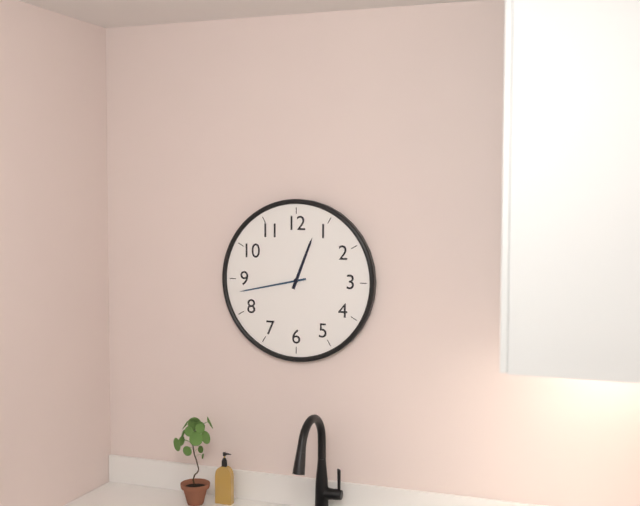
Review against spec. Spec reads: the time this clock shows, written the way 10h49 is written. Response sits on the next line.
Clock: 12h43
